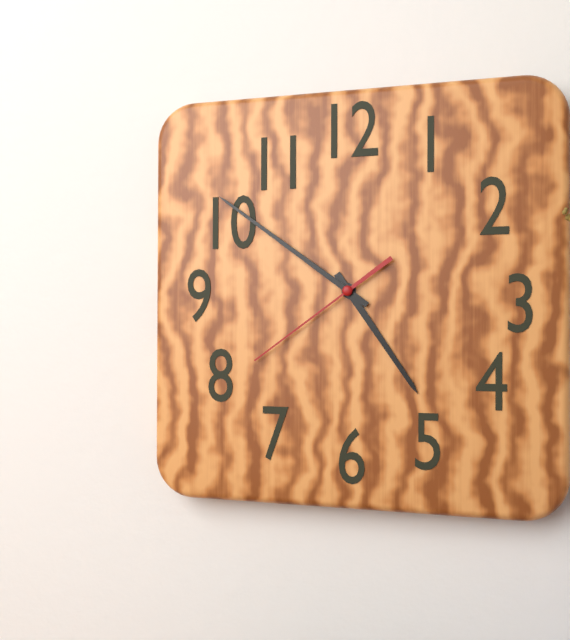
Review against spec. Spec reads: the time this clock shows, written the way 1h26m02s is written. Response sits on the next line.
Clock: 4h51m39s
